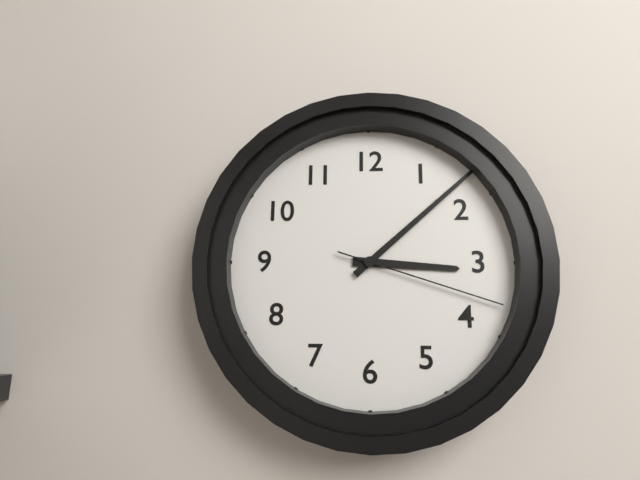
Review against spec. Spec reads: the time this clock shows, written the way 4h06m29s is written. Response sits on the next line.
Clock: 3h08m18s
